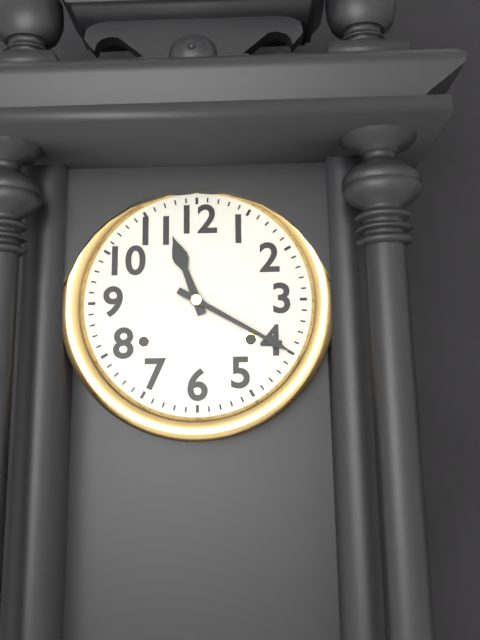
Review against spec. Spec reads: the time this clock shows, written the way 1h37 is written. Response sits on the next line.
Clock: 11h20
